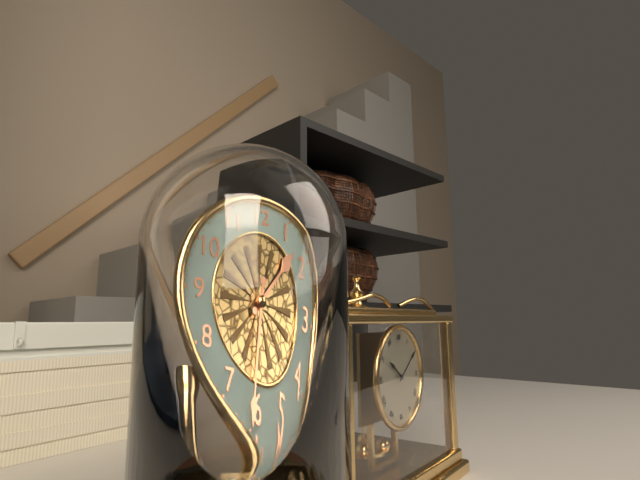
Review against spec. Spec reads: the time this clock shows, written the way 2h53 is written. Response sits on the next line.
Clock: 1h31
